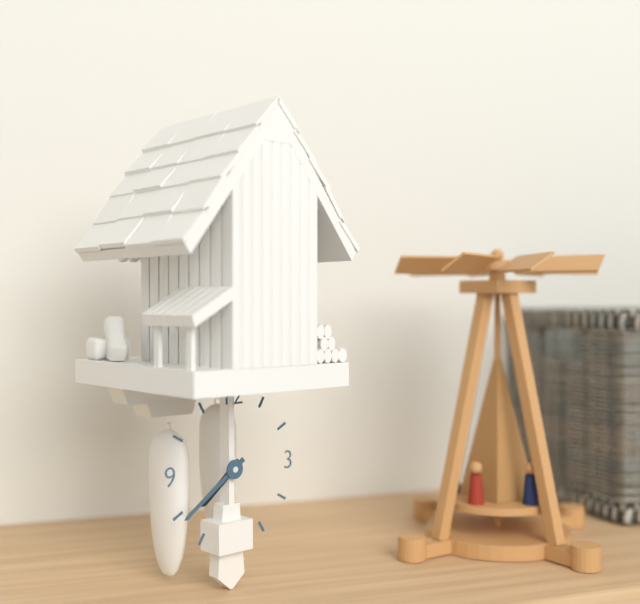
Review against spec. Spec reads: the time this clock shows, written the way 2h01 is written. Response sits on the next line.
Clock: 7h39
